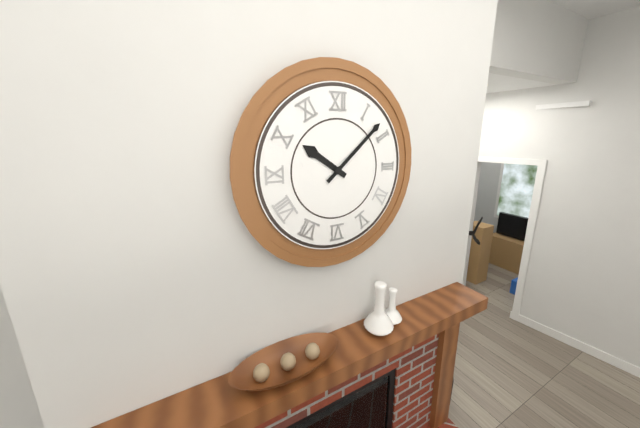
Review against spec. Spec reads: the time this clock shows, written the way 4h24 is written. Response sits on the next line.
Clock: 10h08
